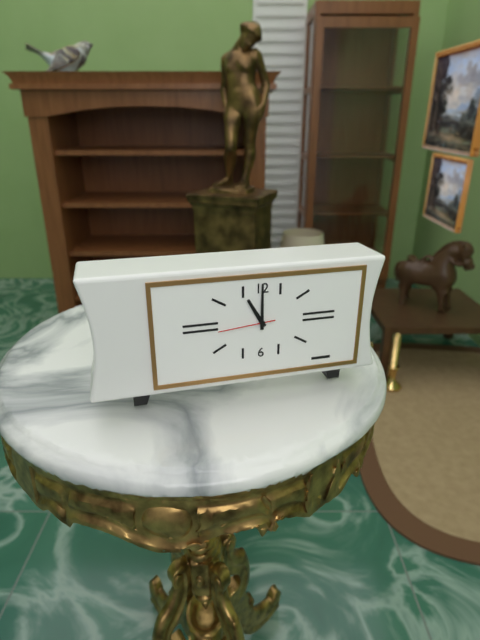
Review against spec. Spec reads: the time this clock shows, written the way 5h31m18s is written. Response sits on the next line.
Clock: 11h00m44s
